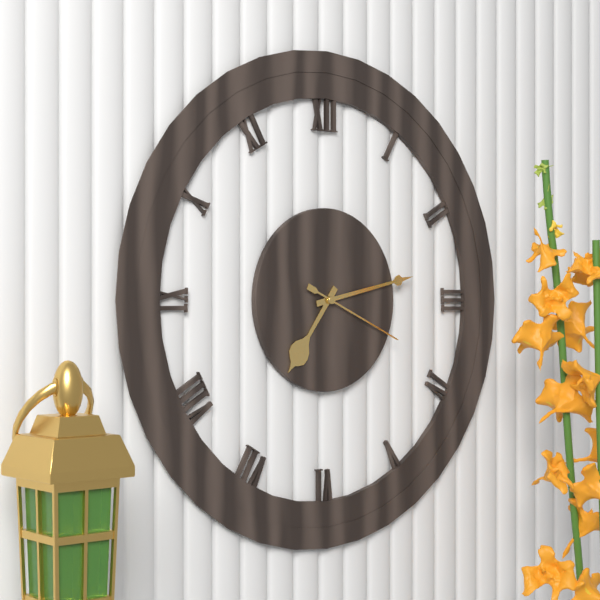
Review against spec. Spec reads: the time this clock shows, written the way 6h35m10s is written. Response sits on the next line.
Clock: 7h13m19s
